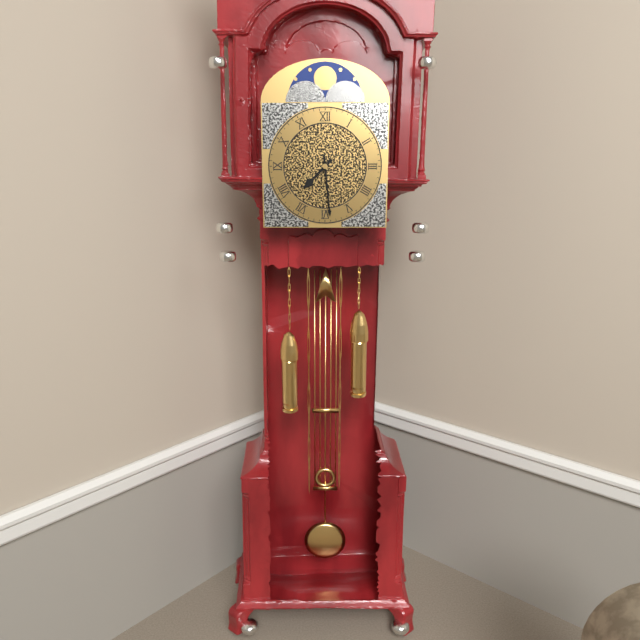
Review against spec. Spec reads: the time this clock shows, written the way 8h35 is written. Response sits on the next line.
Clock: 7h29
